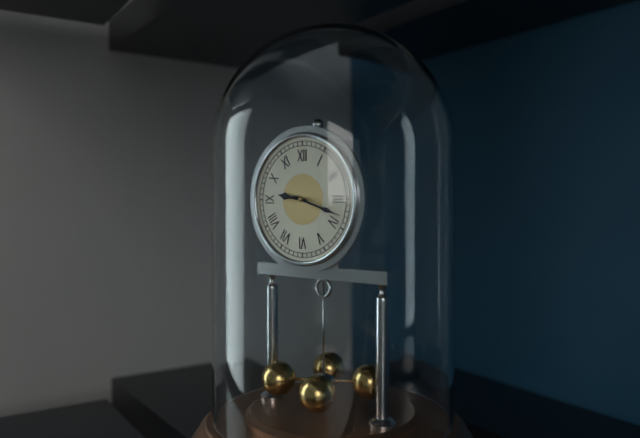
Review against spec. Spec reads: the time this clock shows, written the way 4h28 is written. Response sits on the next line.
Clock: 9h18
